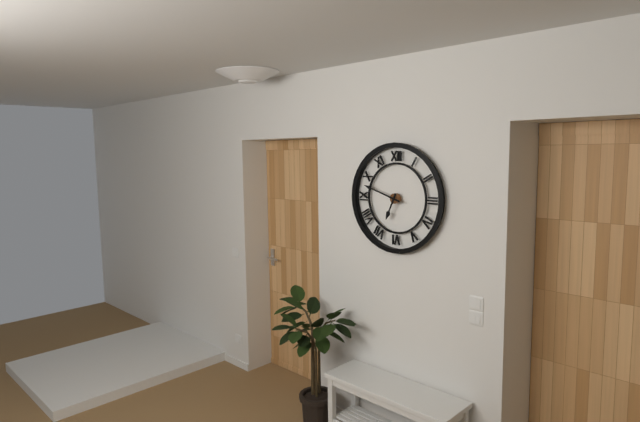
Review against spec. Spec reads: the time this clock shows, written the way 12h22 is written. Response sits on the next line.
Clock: 6h48
